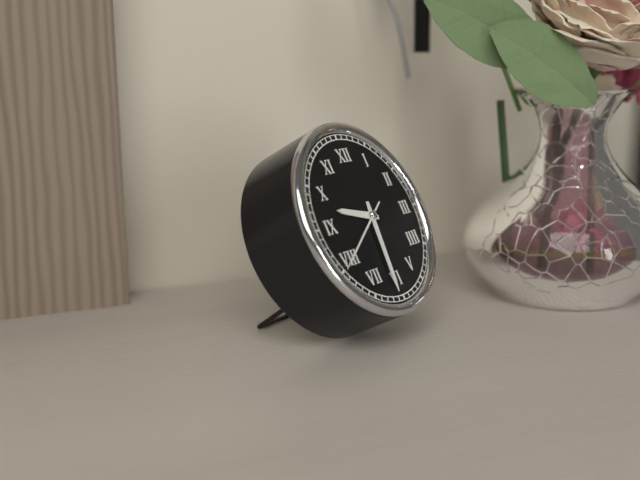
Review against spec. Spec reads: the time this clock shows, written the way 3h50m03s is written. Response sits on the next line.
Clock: 9h31m40s
